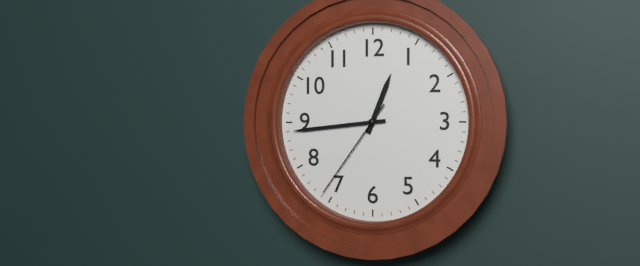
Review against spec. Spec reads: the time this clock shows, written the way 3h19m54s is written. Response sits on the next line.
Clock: 12h44m36s
